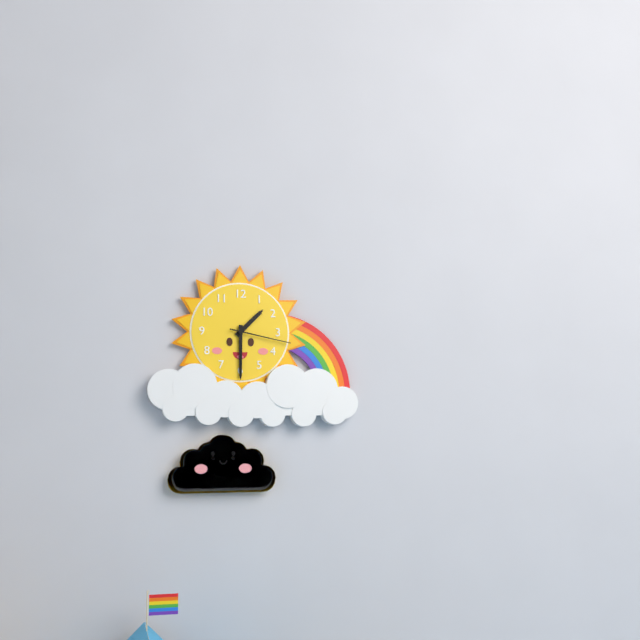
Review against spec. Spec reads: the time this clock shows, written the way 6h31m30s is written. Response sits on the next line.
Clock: 1h30m17s
